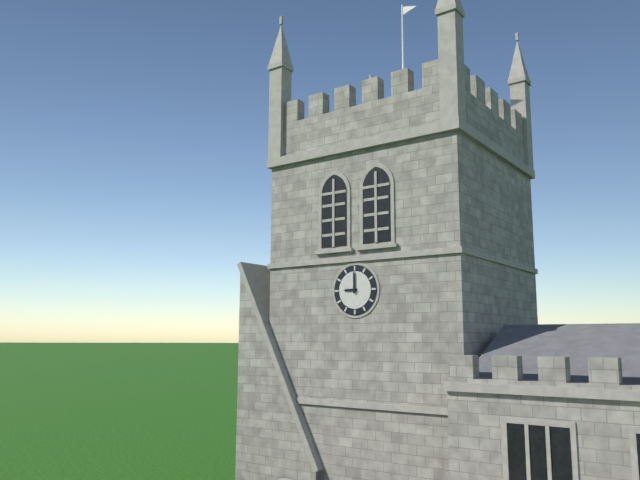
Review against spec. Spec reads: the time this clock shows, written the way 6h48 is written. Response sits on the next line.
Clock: 9h00
